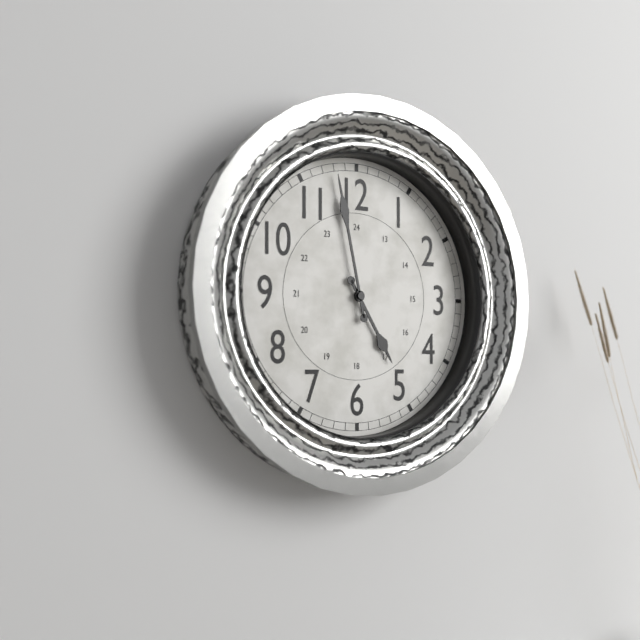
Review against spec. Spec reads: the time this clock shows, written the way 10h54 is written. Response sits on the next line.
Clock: 4h58
